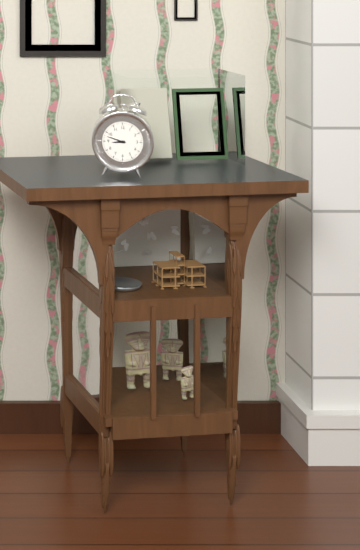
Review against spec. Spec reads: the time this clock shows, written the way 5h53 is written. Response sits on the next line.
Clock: 8h48
